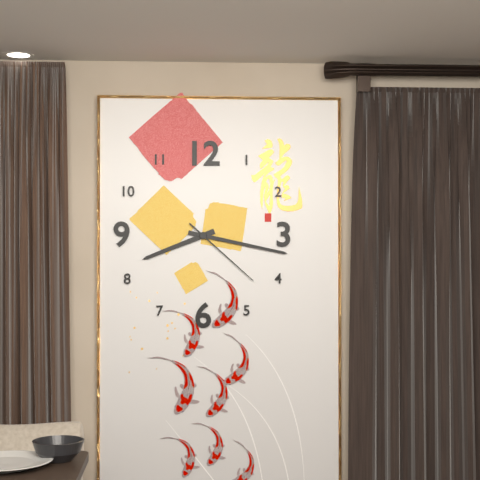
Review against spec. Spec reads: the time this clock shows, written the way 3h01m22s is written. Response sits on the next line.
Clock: 8h17m22s
